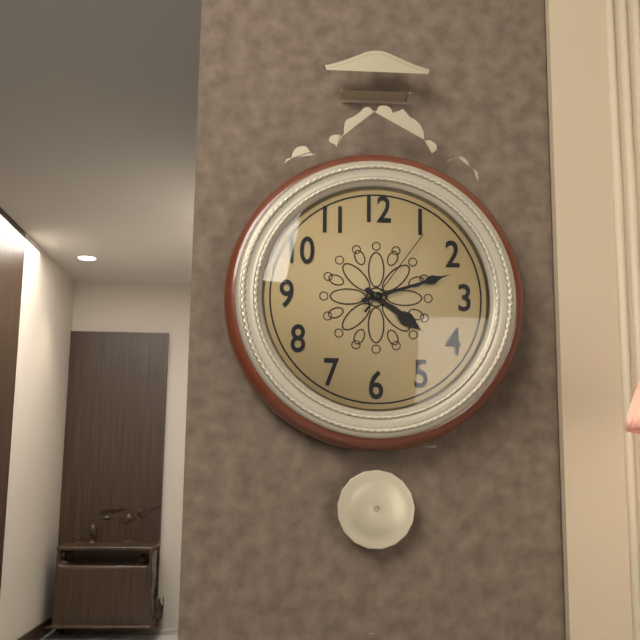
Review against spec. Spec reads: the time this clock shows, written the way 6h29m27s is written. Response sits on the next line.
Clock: 4h12m06s
